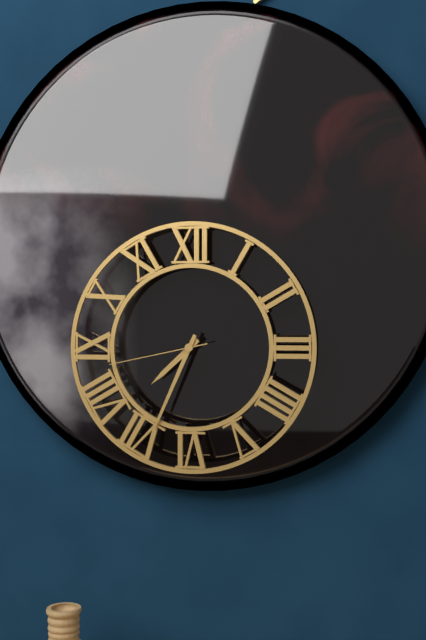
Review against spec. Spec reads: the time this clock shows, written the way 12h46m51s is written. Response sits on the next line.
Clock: 7h34m43s
